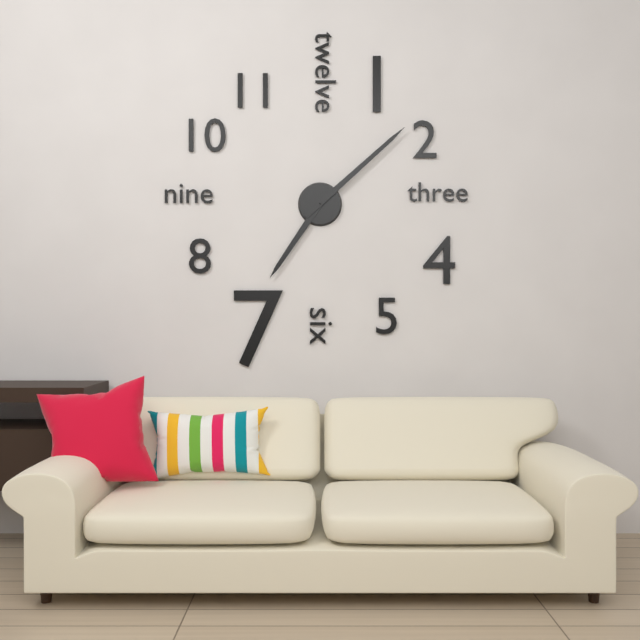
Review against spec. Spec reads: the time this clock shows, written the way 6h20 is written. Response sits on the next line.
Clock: 7h08
